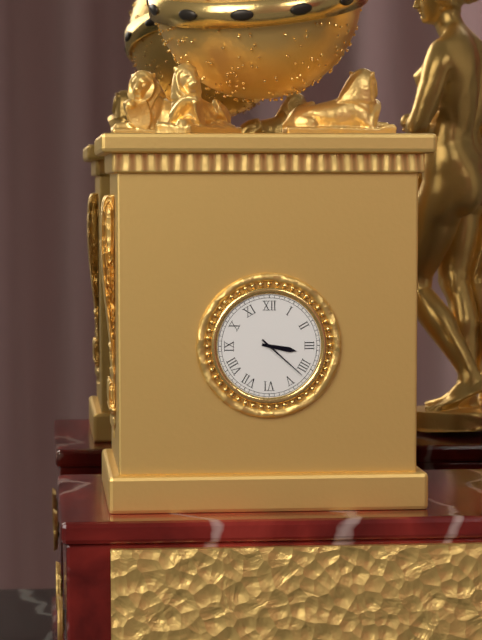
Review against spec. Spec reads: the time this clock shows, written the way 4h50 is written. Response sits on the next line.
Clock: 3h22
